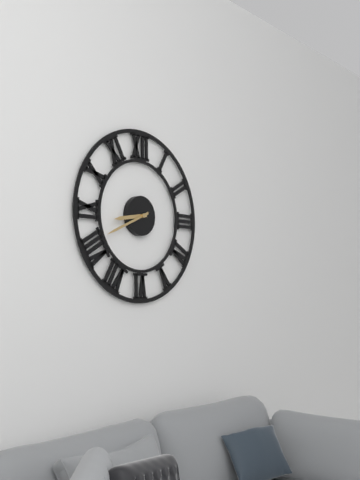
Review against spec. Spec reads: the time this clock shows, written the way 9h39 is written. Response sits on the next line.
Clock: 8h41
